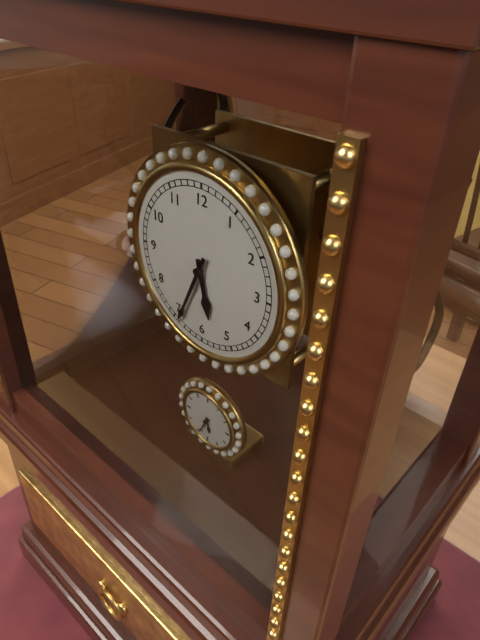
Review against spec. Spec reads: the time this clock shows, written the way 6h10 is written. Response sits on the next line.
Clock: 5h34
